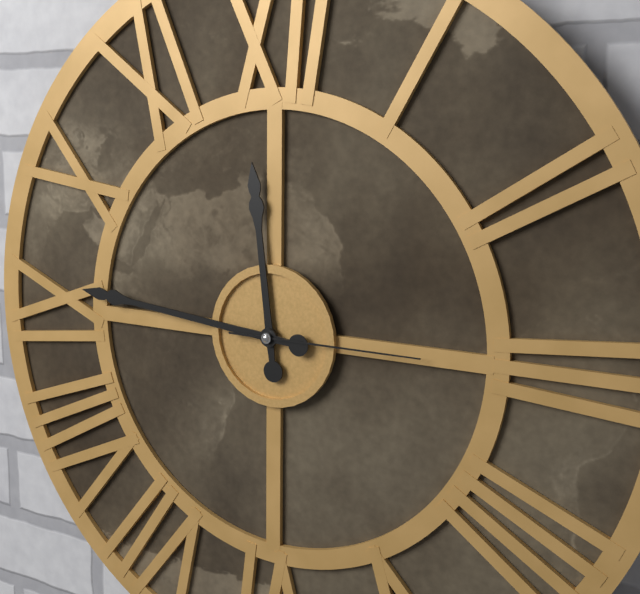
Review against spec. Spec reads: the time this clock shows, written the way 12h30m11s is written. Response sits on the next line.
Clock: 11h46m15s
